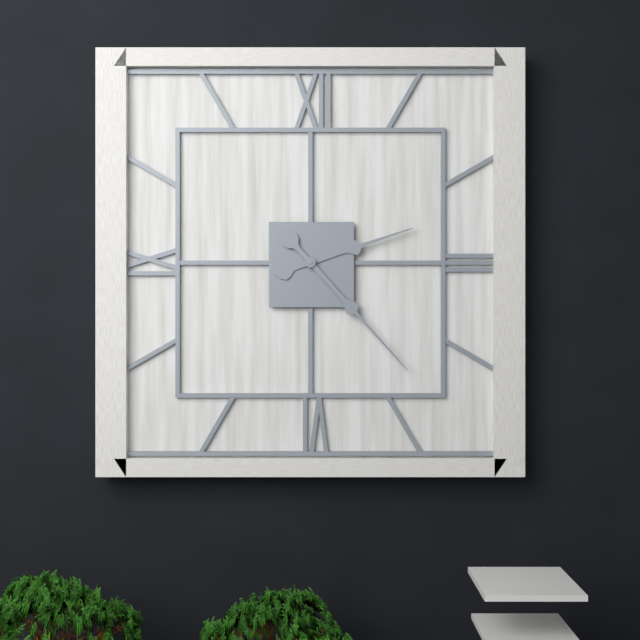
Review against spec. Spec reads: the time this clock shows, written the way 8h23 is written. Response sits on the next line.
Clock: 2h23
